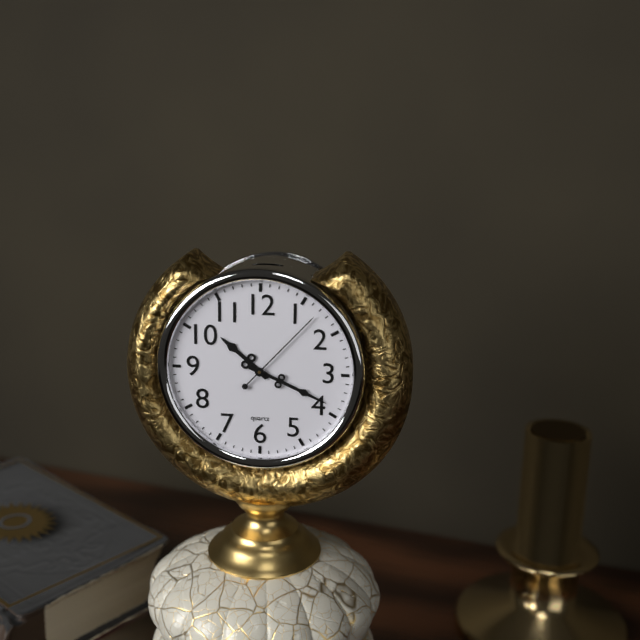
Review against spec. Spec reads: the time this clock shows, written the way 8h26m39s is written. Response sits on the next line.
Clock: 10h19m07s
